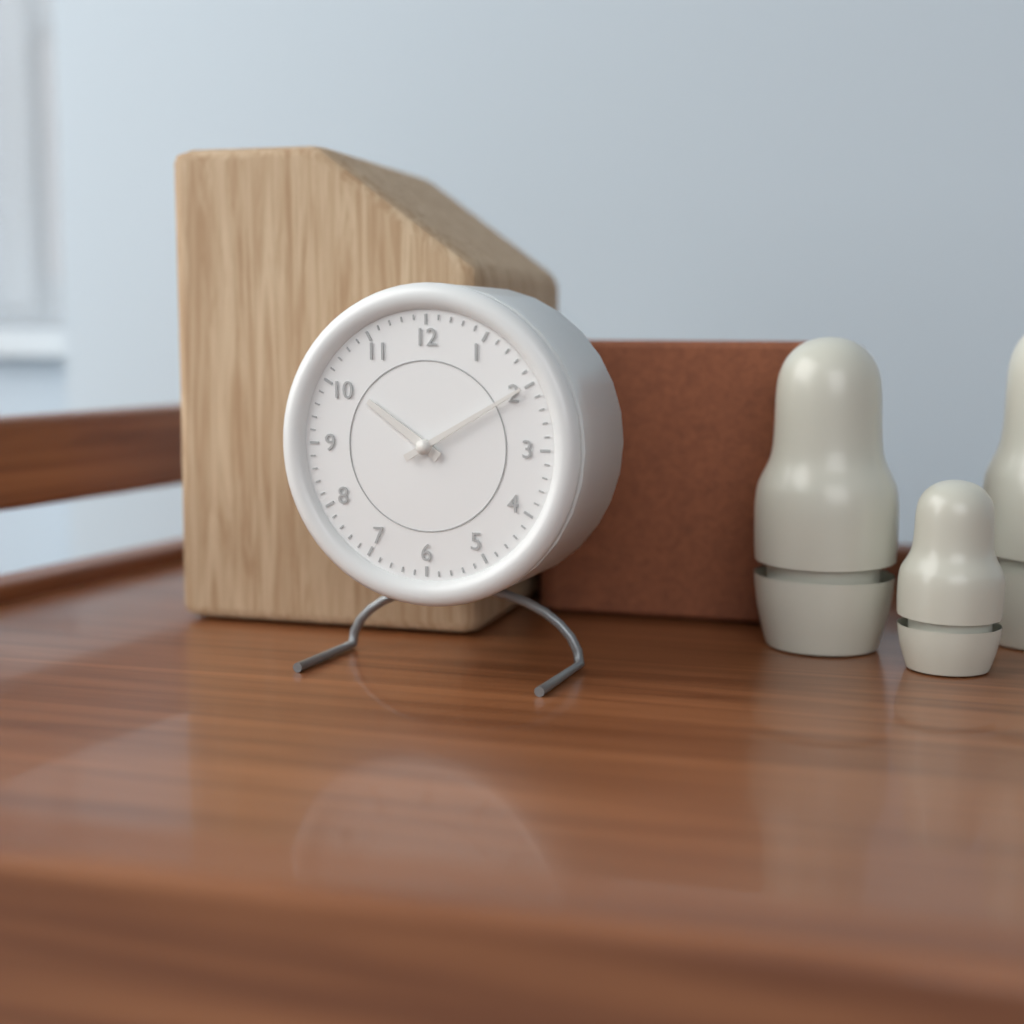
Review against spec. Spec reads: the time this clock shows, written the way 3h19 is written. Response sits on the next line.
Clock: 10h10
